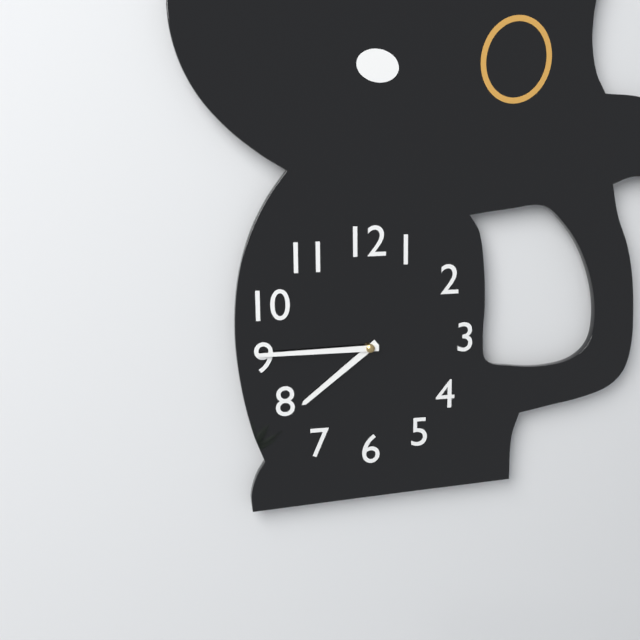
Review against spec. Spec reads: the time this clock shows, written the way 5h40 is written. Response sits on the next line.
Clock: 7h45
